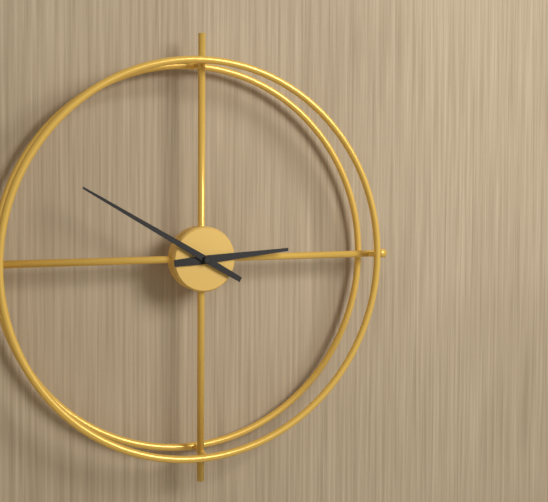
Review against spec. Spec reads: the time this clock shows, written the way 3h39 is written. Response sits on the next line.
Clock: 2h50
